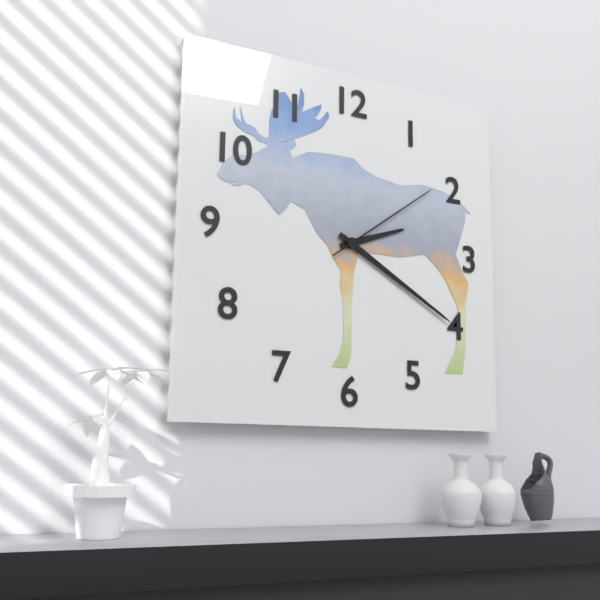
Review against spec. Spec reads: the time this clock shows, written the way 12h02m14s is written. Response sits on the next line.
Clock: 2h20m09s
